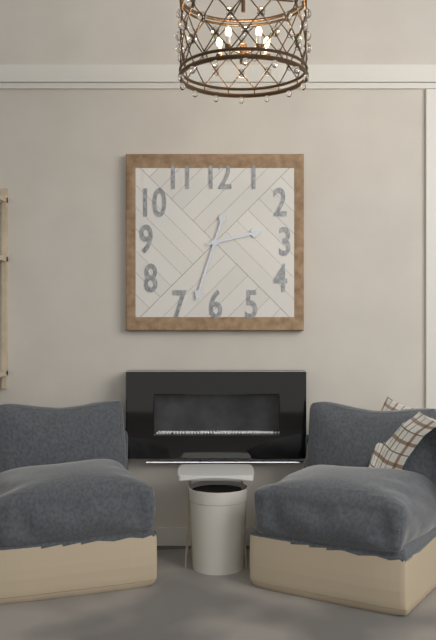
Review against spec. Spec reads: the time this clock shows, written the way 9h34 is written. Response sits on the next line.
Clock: 2h33
